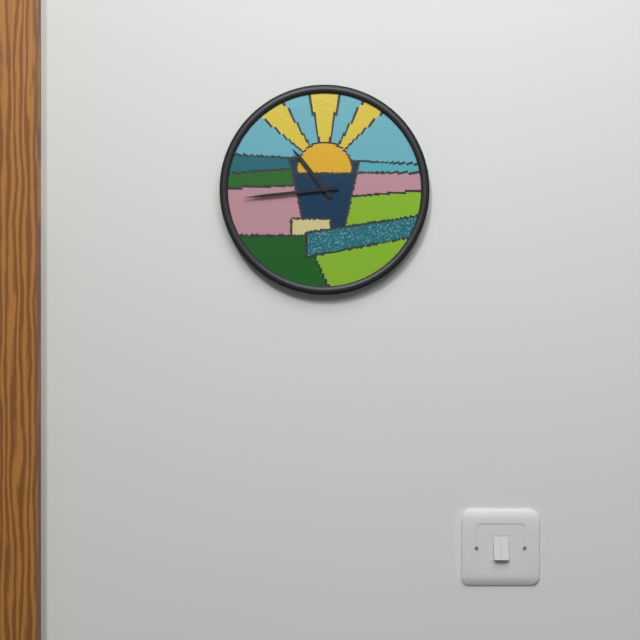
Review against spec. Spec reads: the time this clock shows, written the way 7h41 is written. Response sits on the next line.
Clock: 10h44
